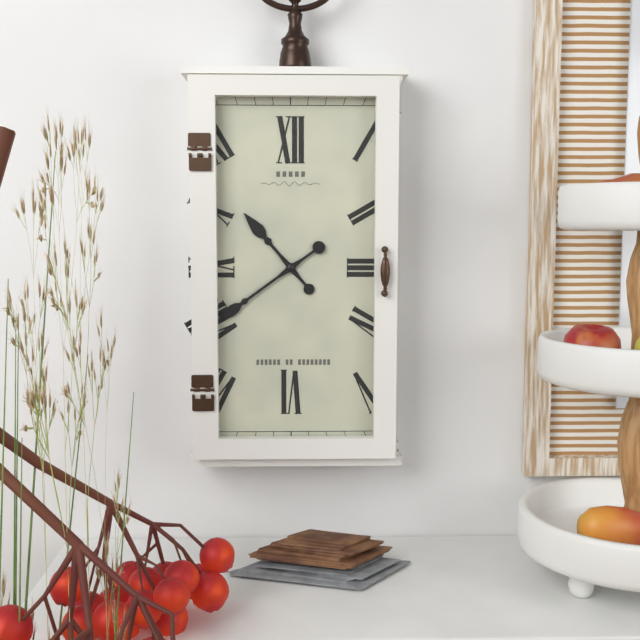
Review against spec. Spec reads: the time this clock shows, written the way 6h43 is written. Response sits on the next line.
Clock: 10h39
